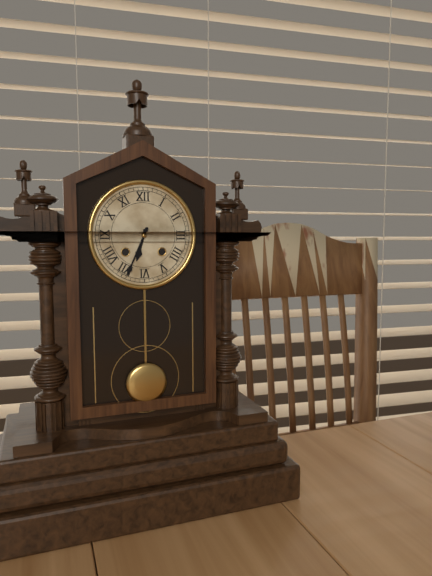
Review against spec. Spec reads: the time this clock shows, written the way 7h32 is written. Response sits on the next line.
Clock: 6h34
